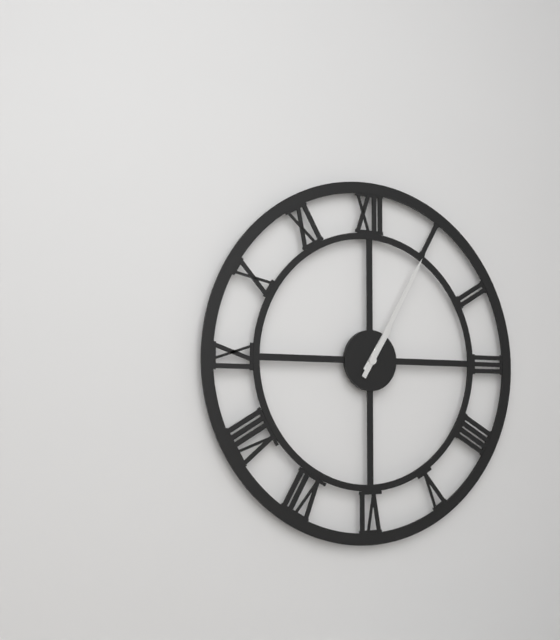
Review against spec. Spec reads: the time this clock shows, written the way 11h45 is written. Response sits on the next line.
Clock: 1h05
